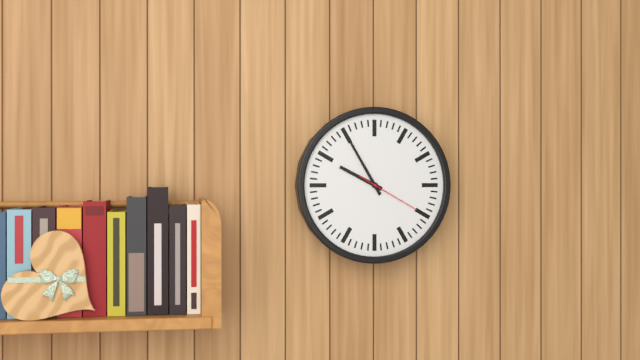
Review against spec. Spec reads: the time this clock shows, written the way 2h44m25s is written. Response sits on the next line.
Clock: 9h55m20s
